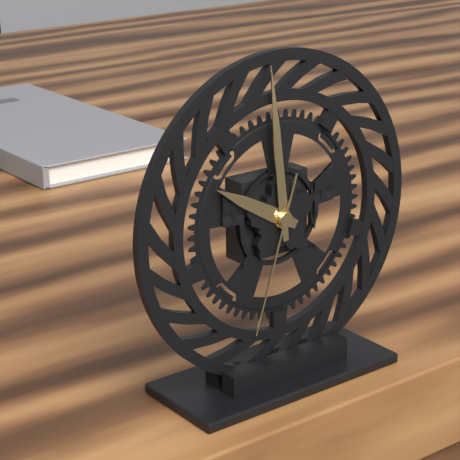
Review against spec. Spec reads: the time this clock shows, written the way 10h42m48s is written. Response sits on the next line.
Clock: 9h59m33s
